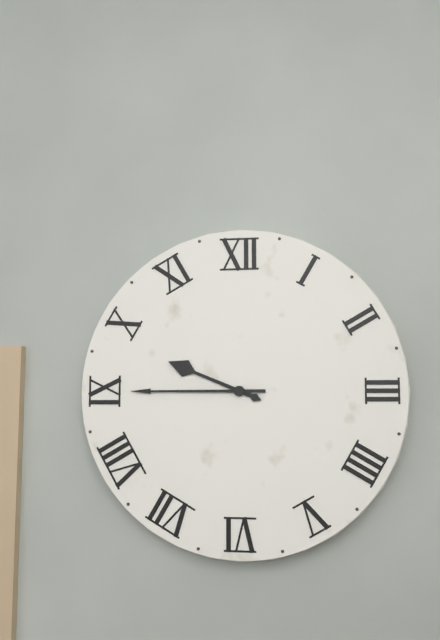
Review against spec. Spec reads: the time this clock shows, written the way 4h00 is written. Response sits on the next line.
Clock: 9h45
